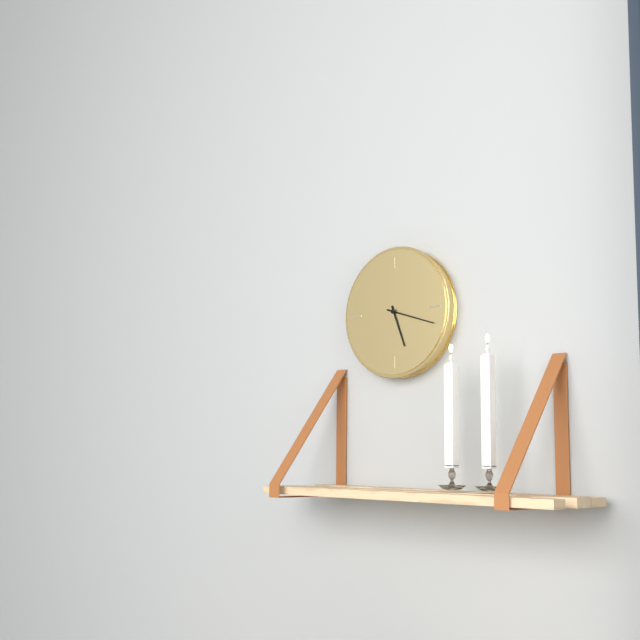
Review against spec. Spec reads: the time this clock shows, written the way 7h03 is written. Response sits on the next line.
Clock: 5h18
